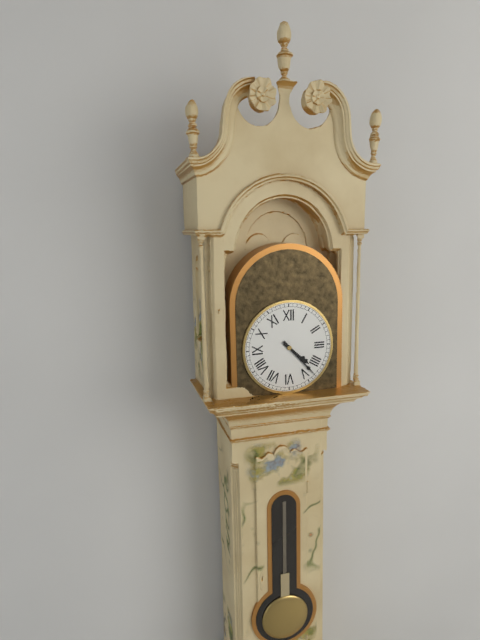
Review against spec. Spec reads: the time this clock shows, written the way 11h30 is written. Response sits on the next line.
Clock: 4h23
